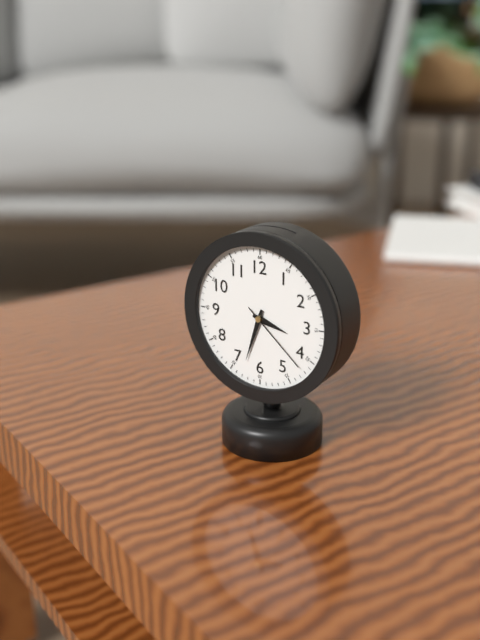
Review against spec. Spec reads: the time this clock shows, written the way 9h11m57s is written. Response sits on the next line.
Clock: 3h33m22s
